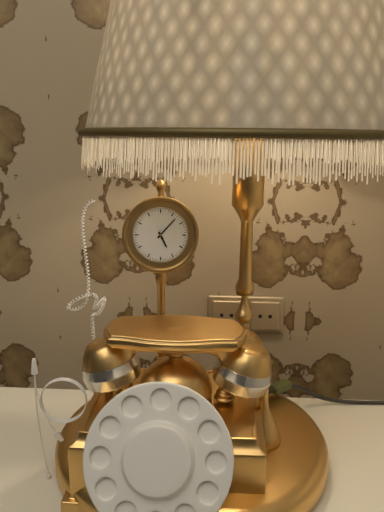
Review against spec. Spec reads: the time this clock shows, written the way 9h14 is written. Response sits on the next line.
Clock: 5h07
